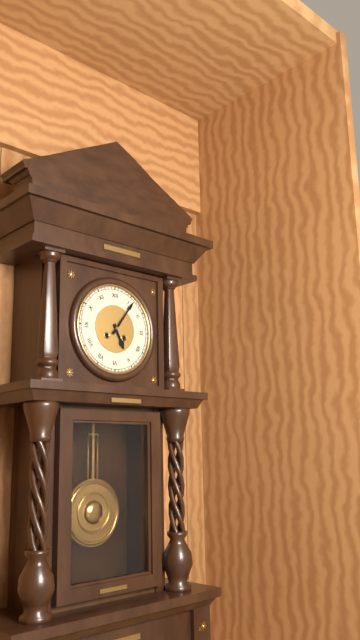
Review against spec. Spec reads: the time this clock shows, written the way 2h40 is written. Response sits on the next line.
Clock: 5h06
